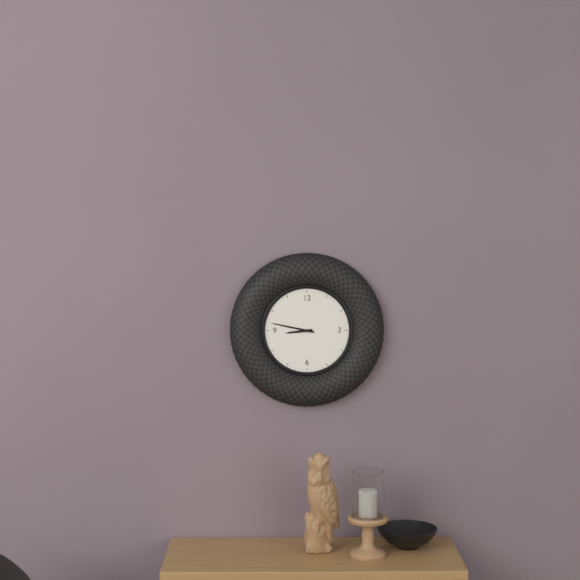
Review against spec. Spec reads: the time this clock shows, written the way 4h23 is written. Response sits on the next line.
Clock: 8h47
